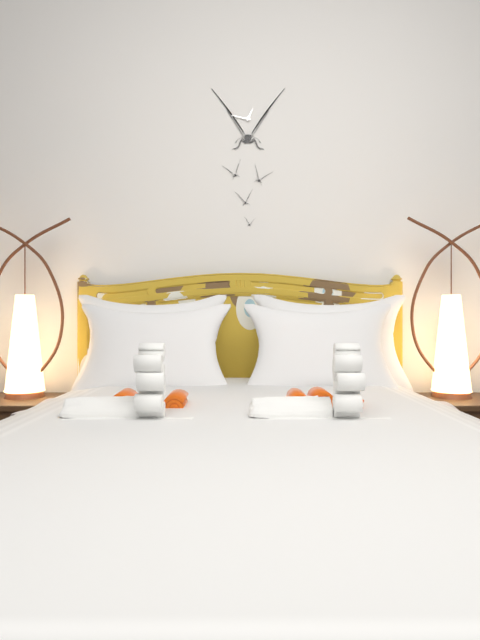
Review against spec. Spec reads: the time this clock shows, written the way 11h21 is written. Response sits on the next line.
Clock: 12h47
